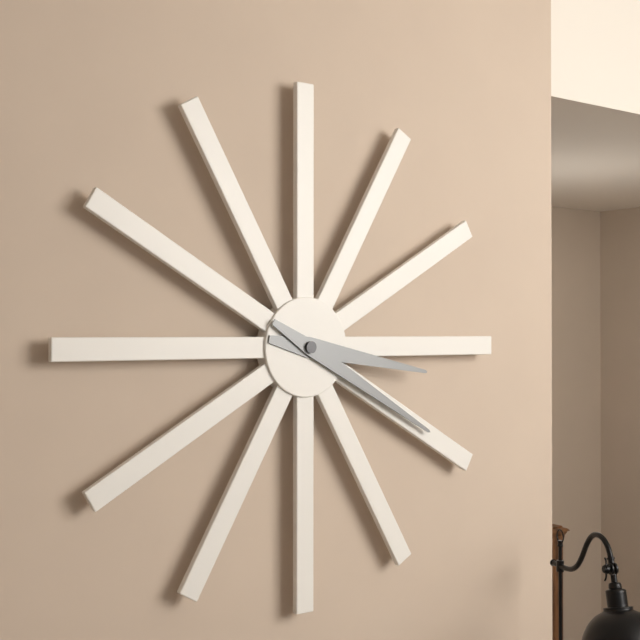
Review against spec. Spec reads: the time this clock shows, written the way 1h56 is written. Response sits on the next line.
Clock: 3h20
